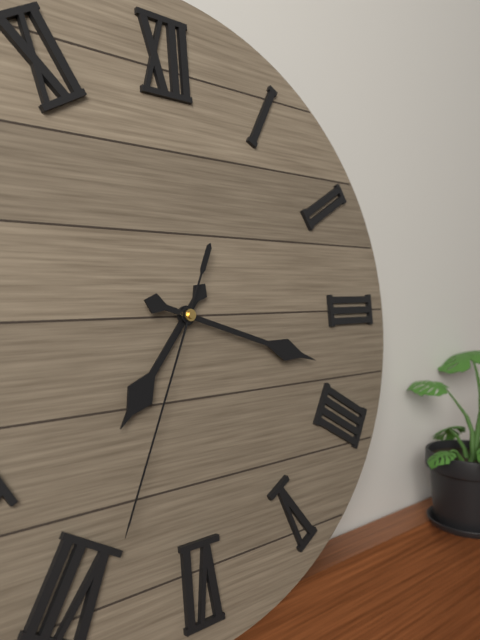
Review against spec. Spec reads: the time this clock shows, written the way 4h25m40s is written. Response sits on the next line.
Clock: 7h18m34s
